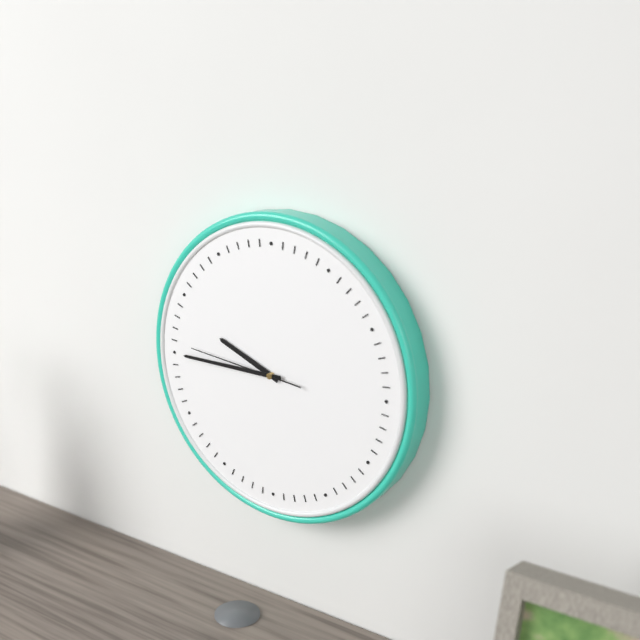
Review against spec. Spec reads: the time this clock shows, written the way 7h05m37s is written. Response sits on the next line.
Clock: 9h45m46s
